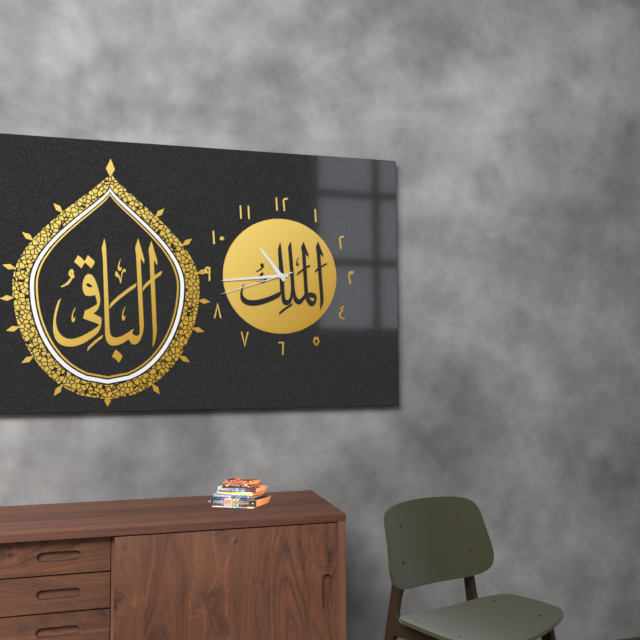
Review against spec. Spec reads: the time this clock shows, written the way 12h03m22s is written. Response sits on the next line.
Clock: 10h44m42s
